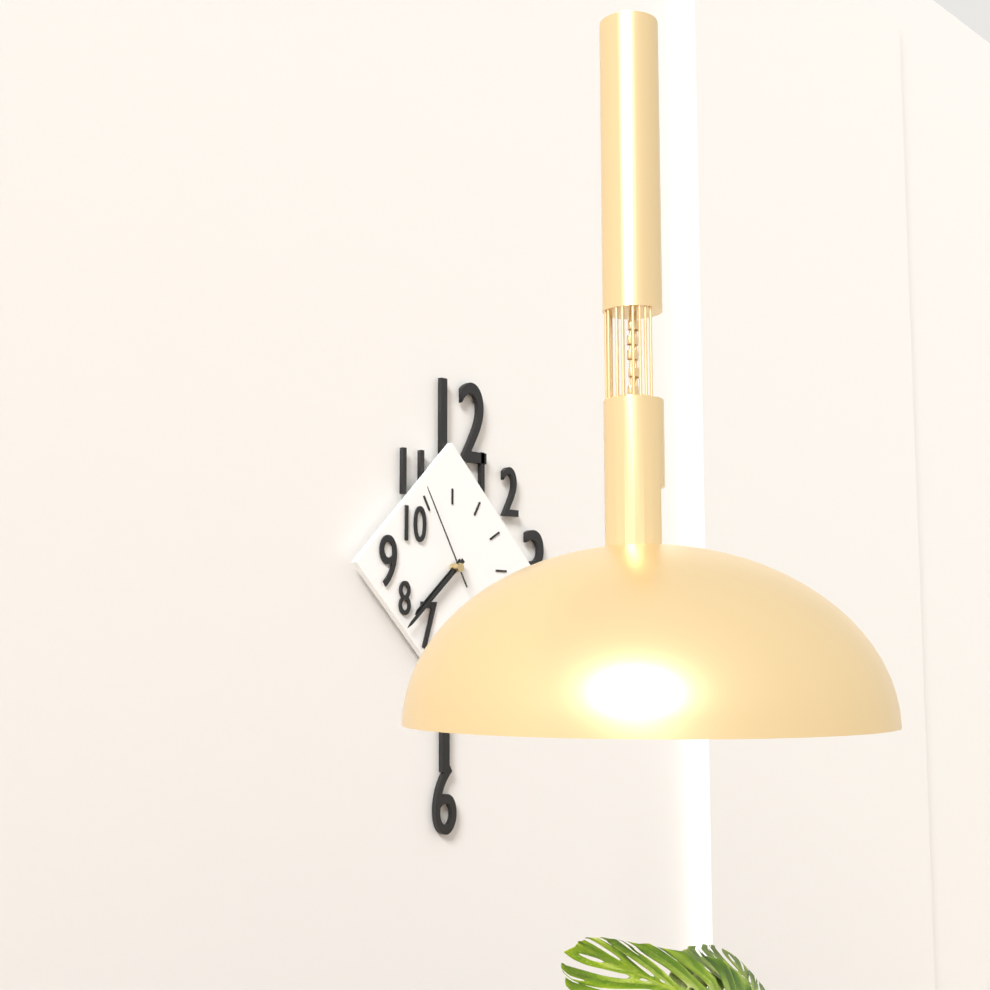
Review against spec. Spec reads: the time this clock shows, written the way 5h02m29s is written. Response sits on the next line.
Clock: 7h38m55s
